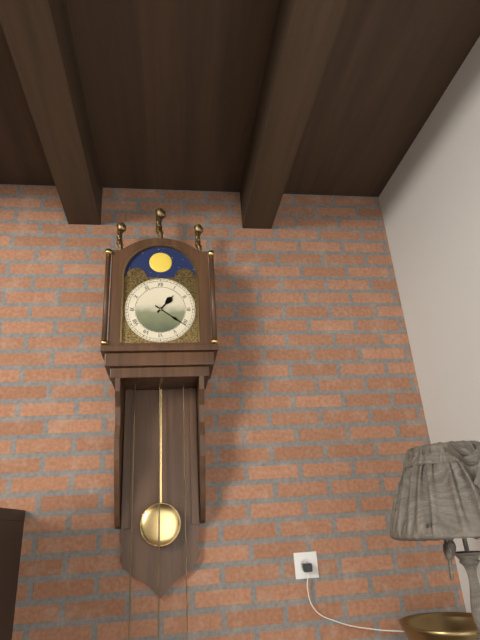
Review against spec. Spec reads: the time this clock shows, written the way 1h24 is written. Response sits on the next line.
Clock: 1h21
